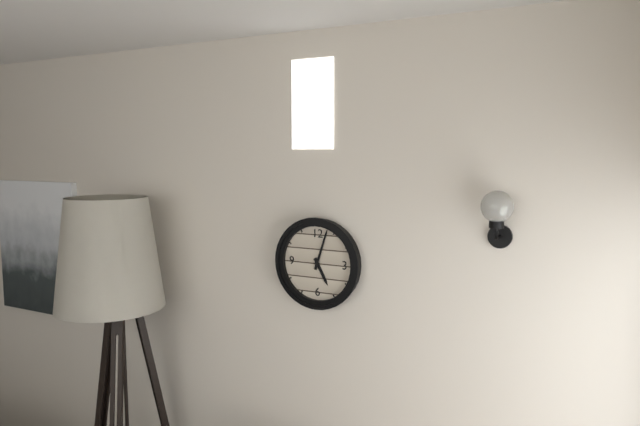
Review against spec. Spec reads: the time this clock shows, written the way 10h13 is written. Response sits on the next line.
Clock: 5h03
